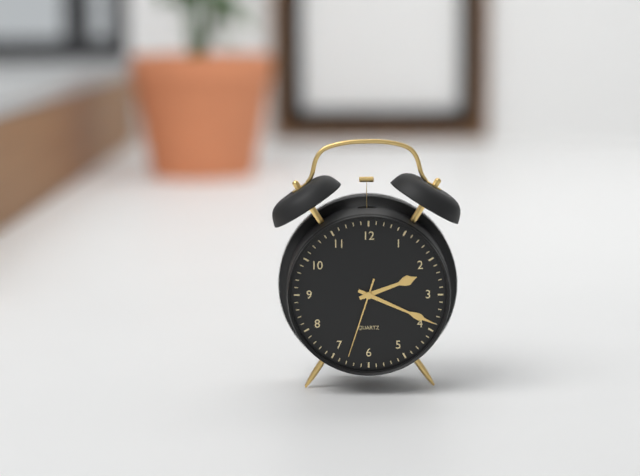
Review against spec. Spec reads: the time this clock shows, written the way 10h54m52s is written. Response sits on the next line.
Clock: 2h19m33s
